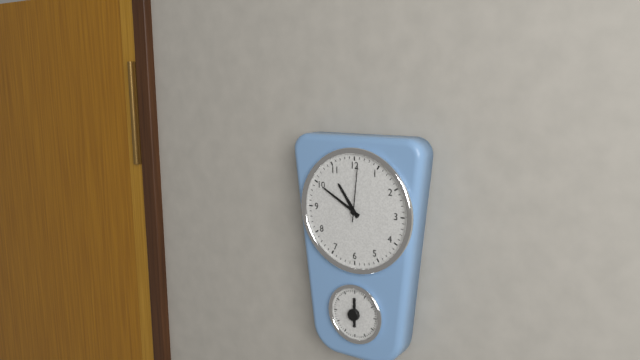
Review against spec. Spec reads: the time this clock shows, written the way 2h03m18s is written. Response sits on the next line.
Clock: 10h50m01s
